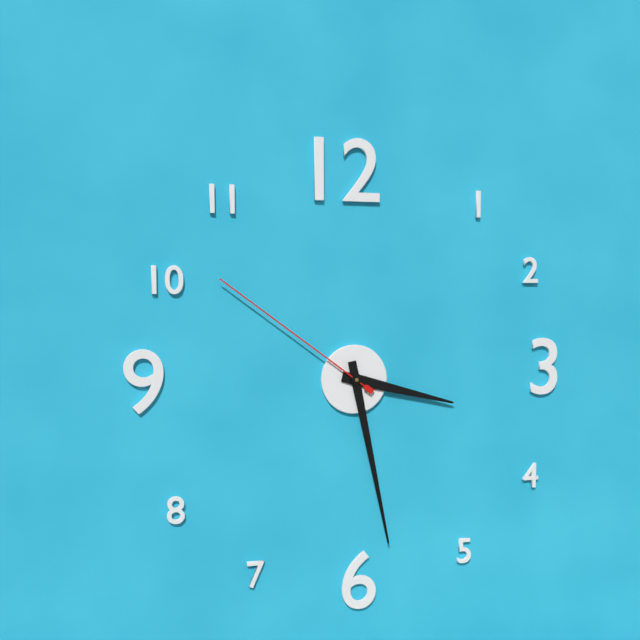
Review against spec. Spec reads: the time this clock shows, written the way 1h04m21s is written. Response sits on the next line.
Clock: 3h28m51s
